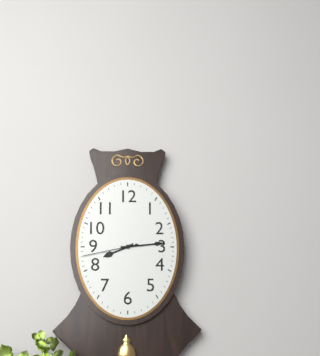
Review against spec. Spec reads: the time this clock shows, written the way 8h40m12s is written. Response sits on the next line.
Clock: 8h14m43s
